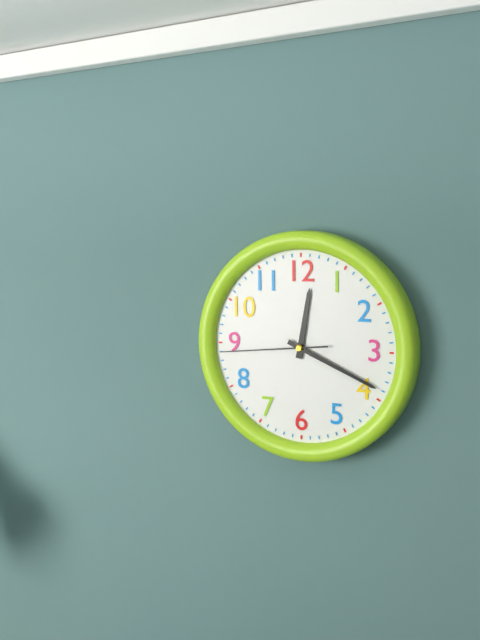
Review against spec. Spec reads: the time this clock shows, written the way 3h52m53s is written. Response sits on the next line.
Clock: 12h19m44s
